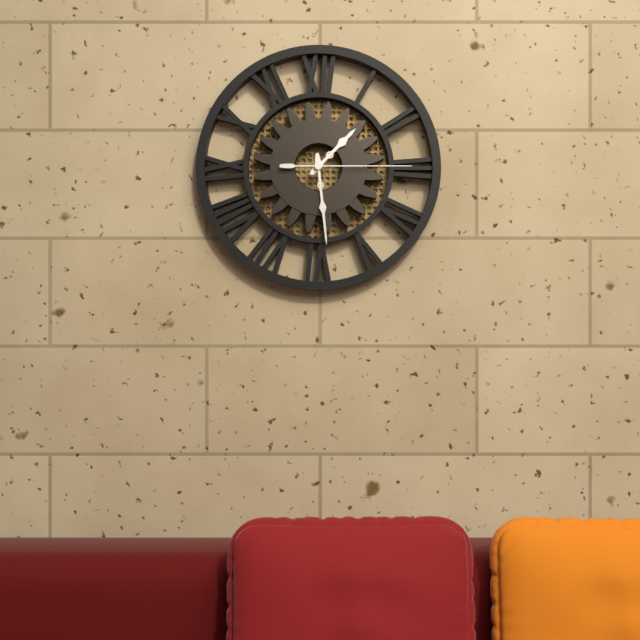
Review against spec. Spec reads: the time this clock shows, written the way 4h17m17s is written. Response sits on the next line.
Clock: 1h29m15s
